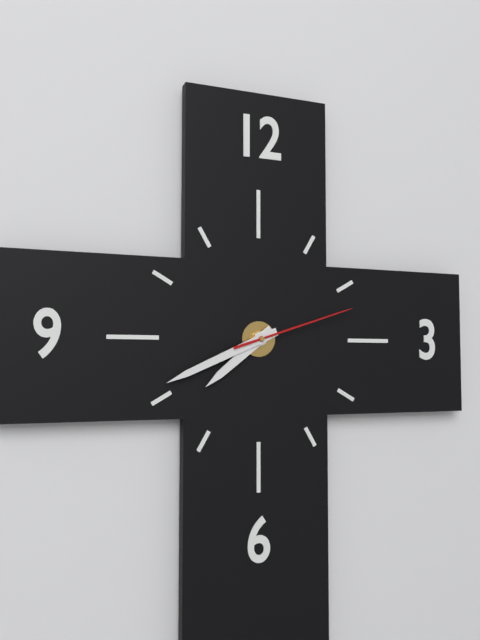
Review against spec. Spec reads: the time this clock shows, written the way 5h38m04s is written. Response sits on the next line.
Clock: 7h41m12s
